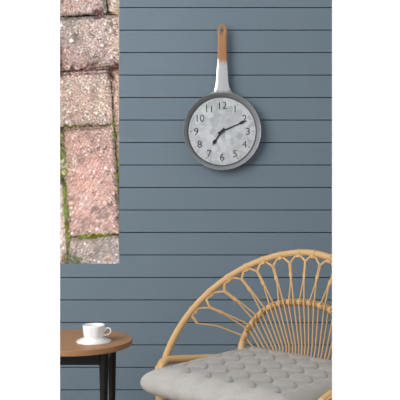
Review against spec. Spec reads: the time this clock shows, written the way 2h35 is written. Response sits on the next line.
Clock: 7h11
